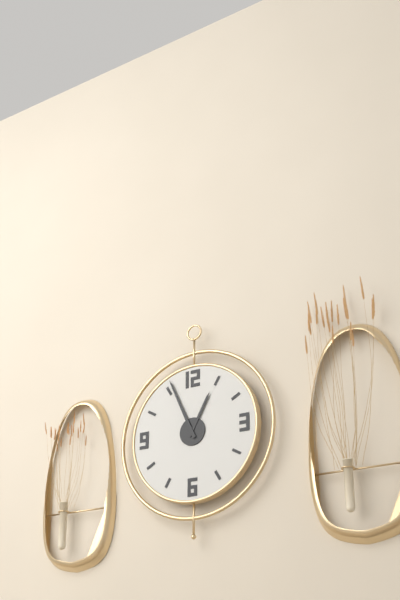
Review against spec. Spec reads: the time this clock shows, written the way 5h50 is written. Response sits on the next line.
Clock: 12h56
